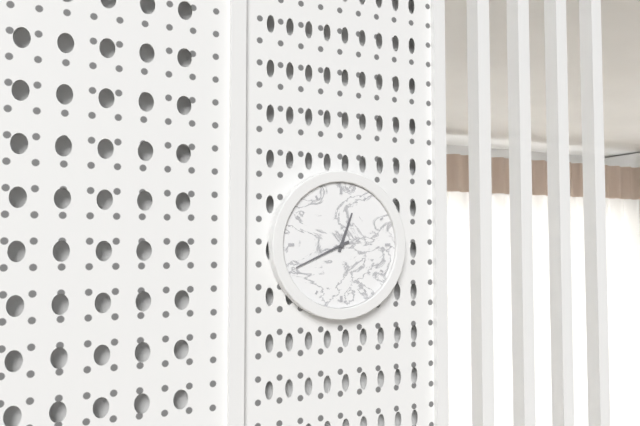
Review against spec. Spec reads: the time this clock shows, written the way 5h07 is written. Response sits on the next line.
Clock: 12h41
